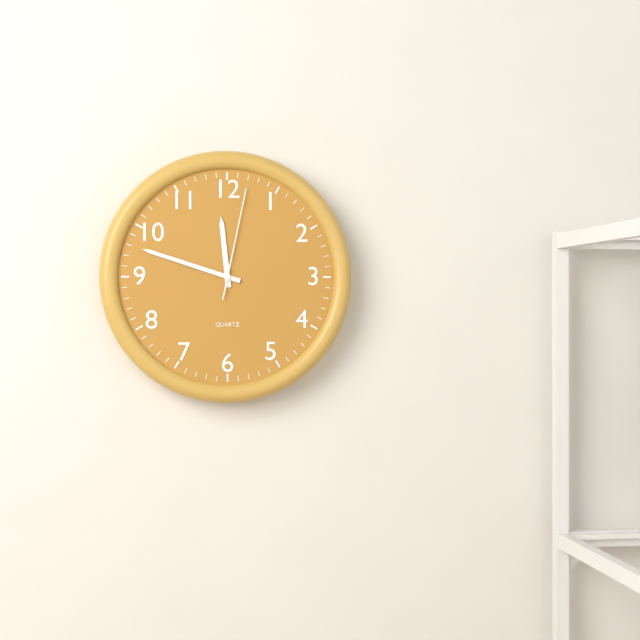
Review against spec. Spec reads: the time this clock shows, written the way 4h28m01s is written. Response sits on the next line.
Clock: 11h48m02s
